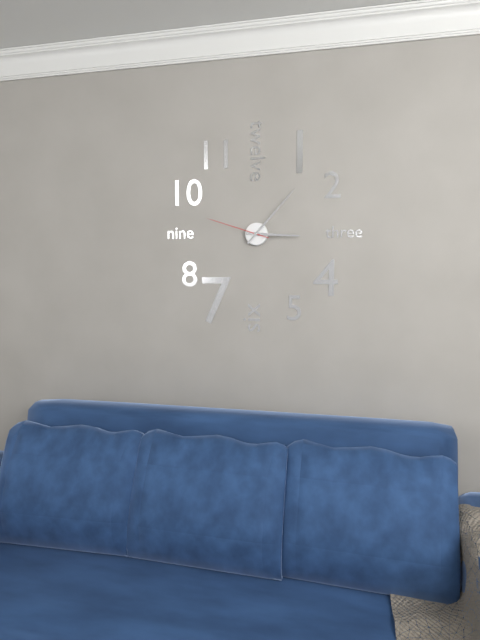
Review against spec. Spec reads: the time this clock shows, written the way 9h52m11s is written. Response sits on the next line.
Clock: 3h07m48s
